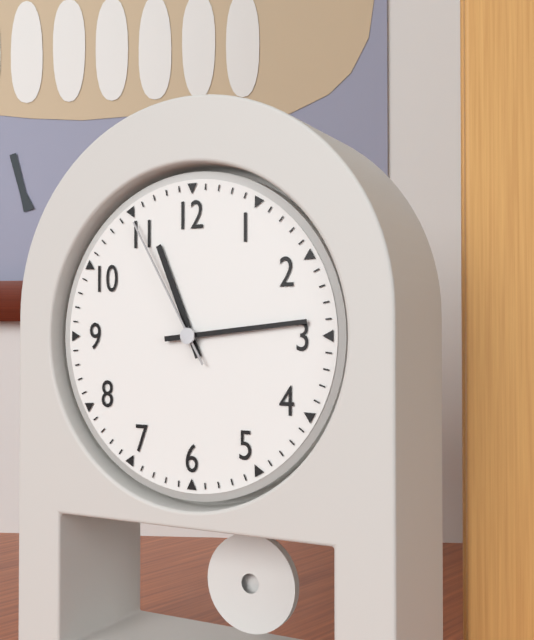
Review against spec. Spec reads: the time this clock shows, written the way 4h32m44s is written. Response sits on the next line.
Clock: 11h14m55s
